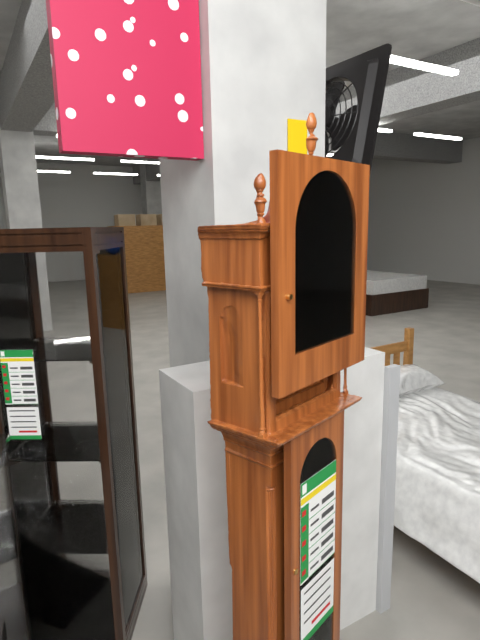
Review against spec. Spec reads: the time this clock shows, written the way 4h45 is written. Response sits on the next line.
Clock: 4h12
